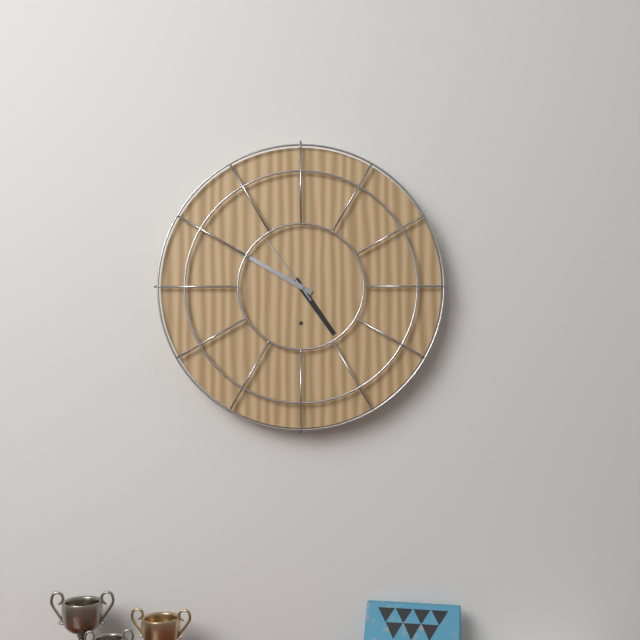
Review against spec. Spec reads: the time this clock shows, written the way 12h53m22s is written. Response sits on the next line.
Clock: 4h50m54s
